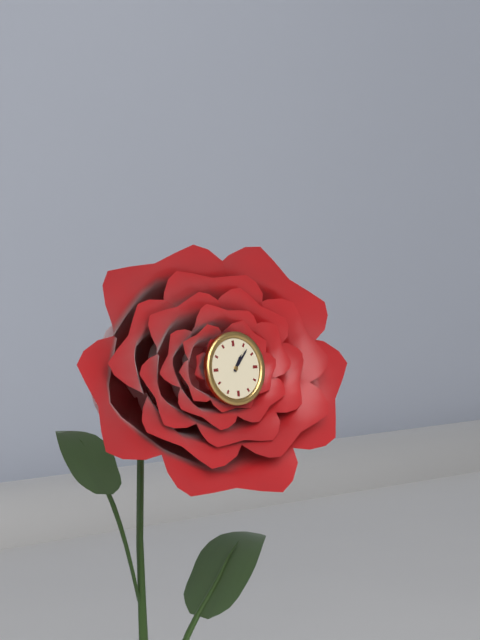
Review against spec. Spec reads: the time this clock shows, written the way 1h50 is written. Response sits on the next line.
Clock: 1h07
